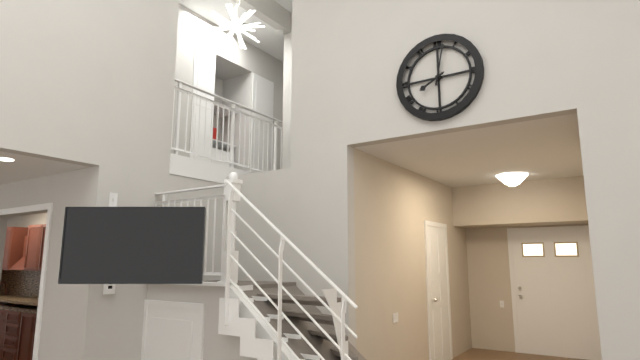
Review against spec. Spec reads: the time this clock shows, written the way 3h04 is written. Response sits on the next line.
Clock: 8h02
